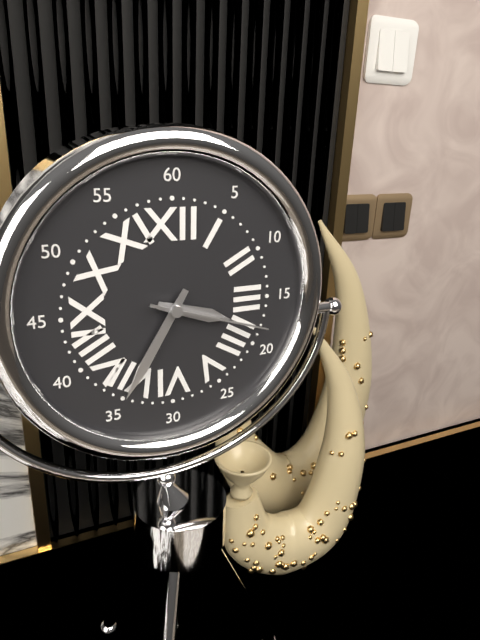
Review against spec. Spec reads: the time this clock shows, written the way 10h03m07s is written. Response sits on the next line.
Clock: 3h35m18s
